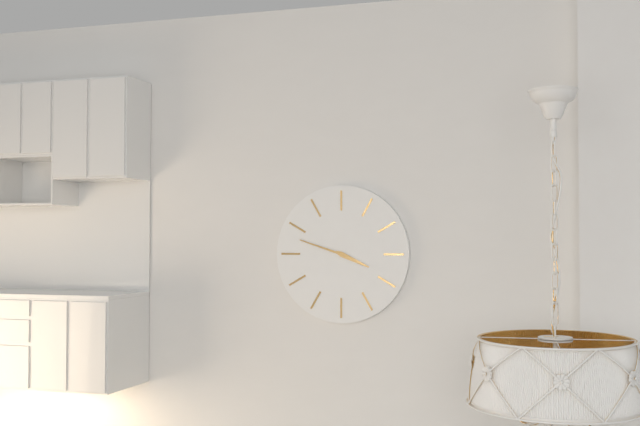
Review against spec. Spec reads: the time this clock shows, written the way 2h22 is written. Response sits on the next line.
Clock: 3h48
